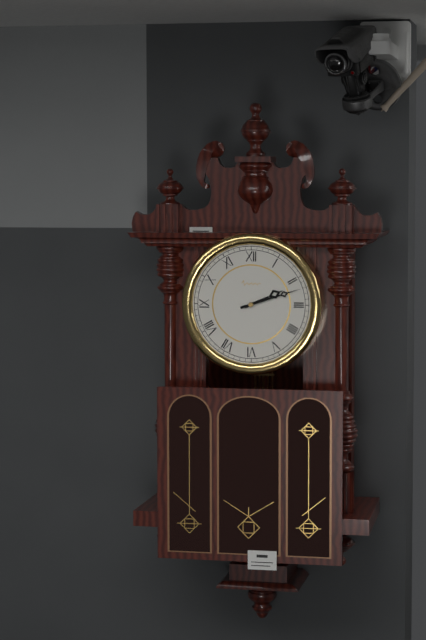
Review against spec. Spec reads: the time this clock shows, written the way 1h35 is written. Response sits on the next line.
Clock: 2h12
